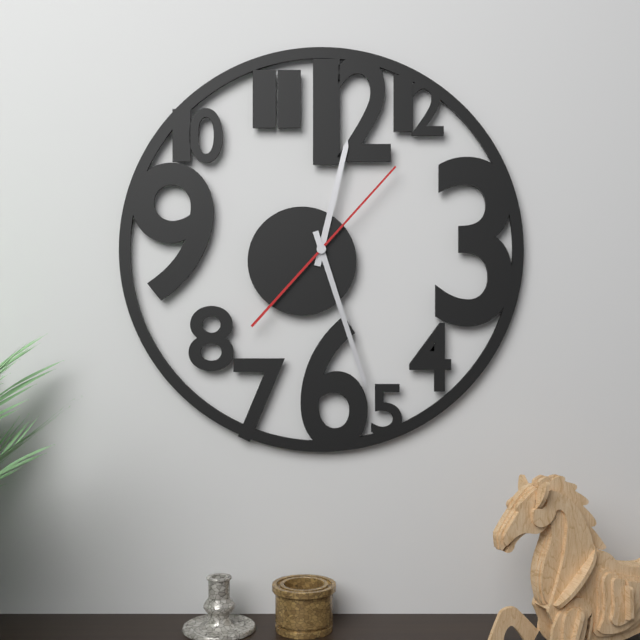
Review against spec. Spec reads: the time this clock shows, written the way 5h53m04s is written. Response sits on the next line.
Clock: 12h27m07s
